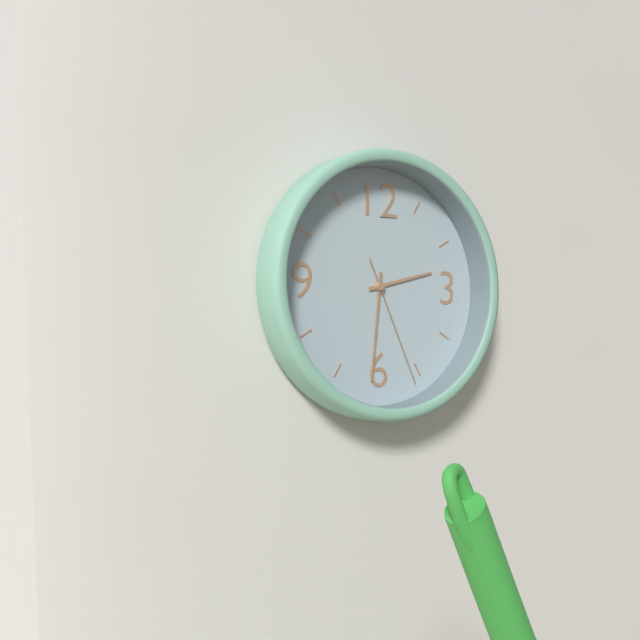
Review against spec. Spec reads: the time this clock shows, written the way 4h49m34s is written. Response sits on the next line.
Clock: 2h31m26s
